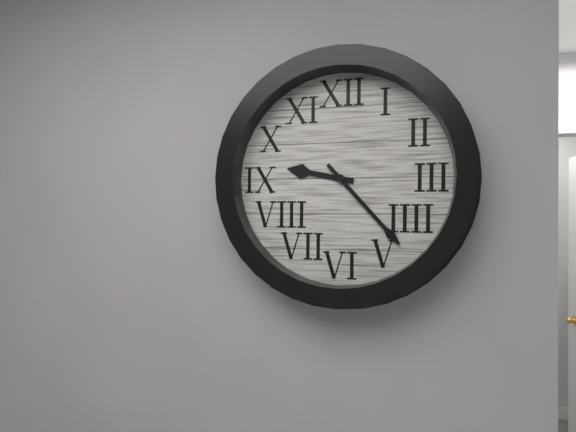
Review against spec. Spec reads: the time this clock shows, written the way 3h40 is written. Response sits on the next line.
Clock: 9h23
